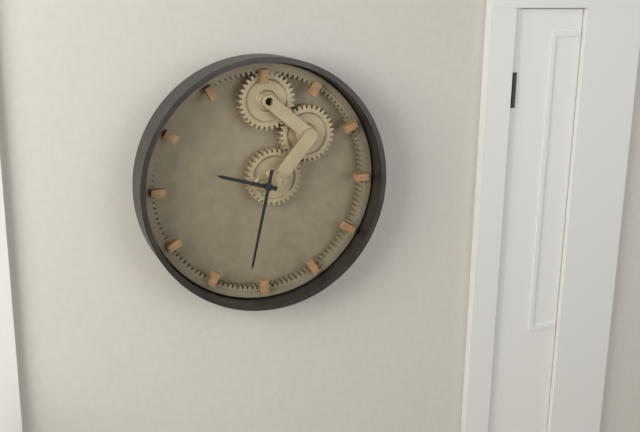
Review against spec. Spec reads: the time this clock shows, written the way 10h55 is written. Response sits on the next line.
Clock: 9h32
